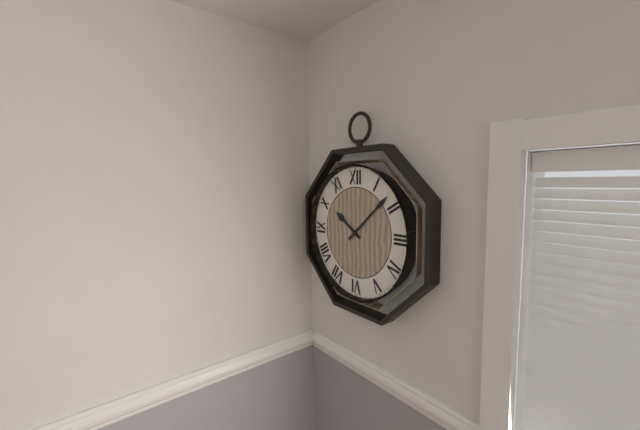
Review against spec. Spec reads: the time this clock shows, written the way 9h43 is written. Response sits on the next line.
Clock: 10h08
